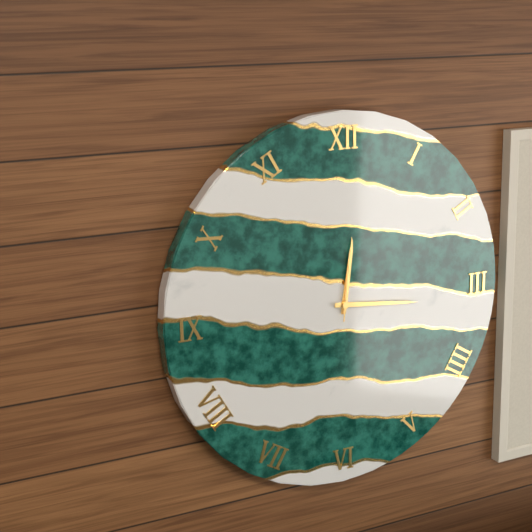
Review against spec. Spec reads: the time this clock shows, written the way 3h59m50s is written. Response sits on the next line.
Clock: 12h16m01s
